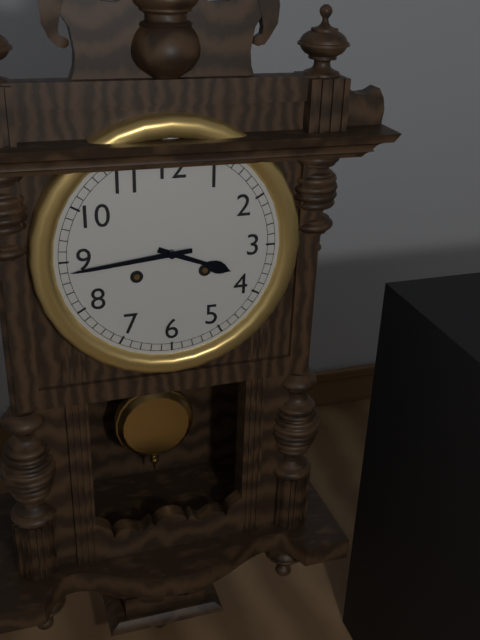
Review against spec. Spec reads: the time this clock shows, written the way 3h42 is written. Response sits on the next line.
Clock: 3h44
